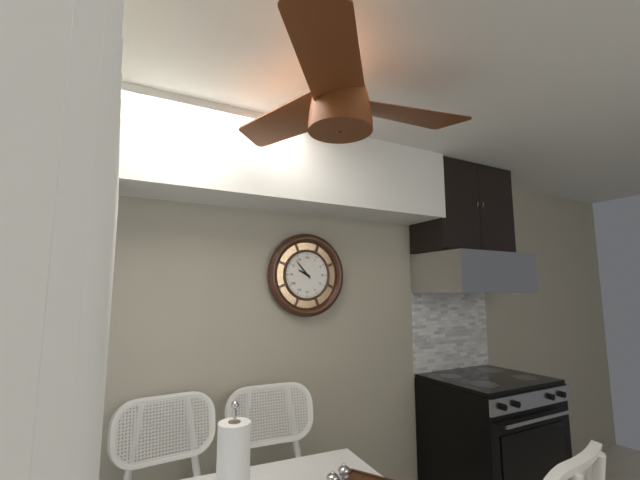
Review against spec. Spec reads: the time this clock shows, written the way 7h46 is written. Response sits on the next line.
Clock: 9h53
